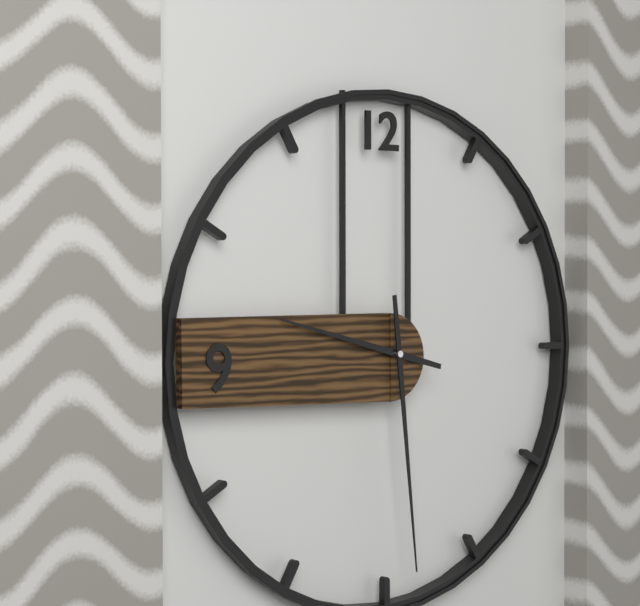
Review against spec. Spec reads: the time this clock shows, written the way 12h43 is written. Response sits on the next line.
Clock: 9h29
